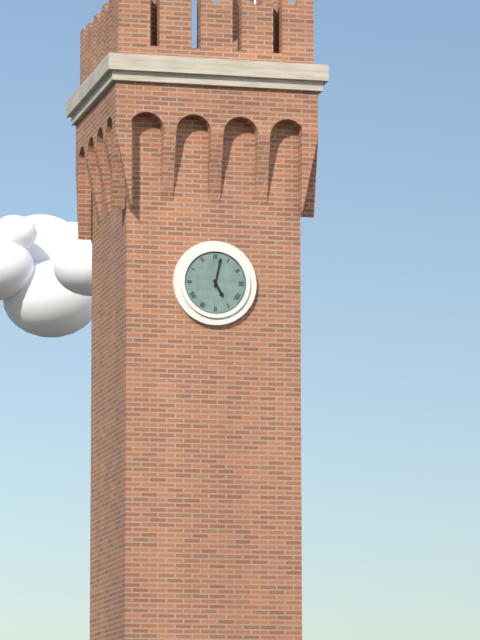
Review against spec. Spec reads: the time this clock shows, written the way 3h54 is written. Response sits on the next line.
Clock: 5h02
